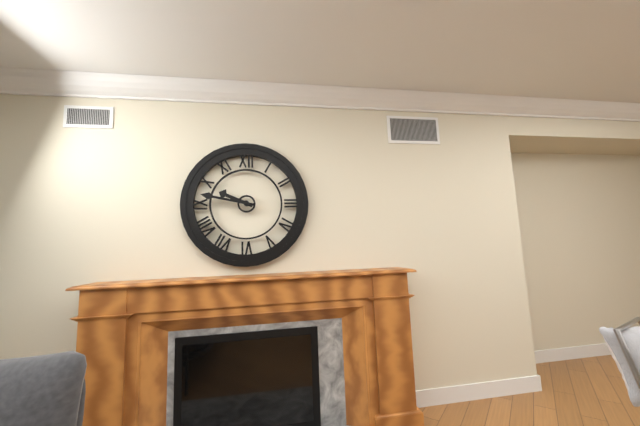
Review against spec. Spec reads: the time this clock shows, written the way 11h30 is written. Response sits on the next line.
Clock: 9h47
